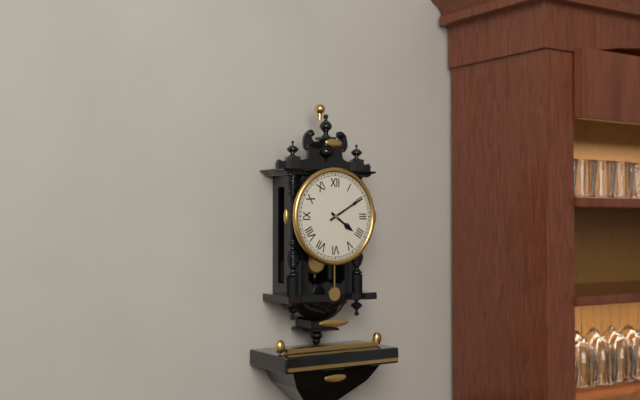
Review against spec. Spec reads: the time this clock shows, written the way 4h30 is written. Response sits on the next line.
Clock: 4h10
